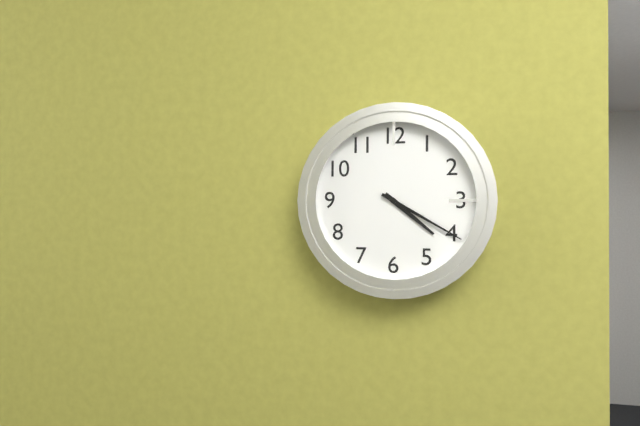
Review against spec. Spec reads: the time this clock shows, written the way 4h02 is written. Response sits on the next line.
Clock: 4h20
